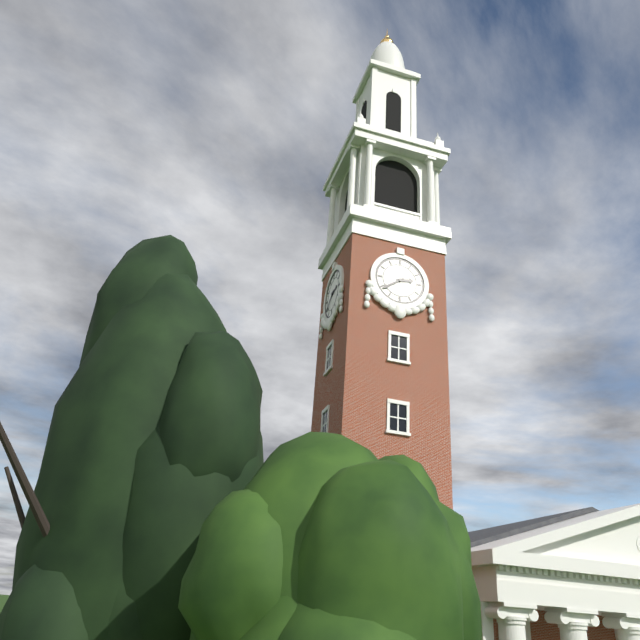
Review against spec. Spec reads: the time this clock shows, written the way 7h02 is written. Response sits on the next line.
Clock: 2h39
